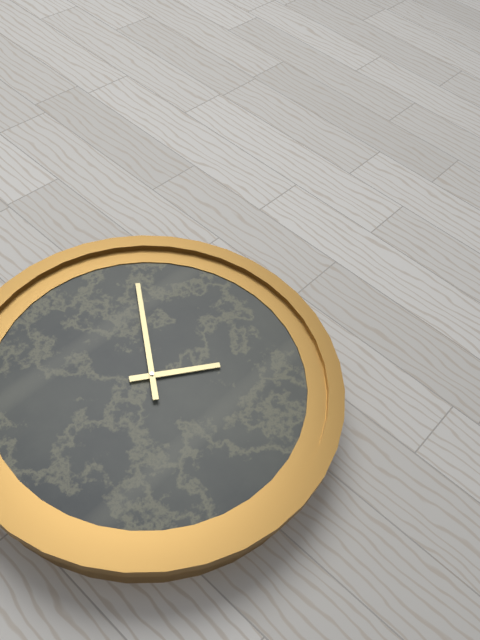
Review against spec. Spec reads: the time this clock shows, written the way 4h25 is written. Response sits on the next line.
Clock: 4h06
